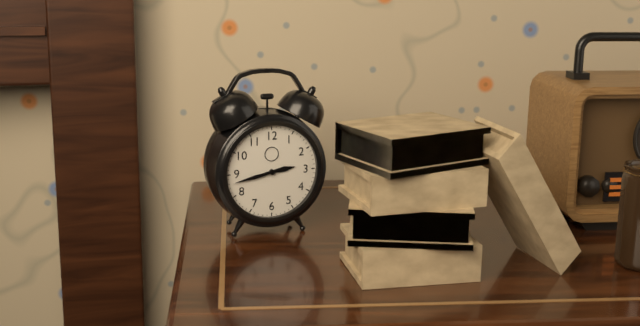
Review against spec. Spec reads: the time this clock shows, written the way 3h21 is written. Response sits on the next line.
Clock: 2h43
